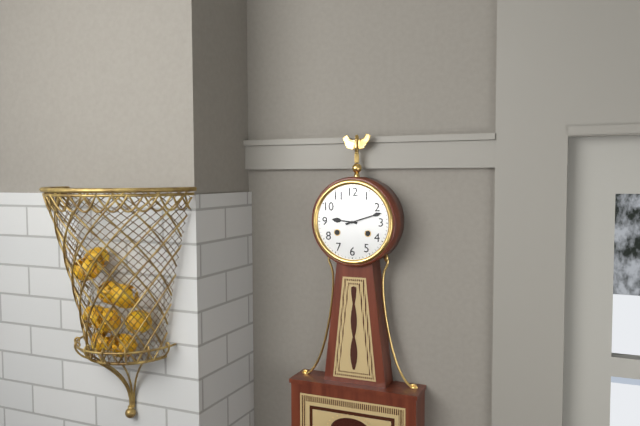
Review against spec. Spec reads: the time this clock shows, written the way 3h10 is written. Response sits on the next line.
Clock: 9h12
